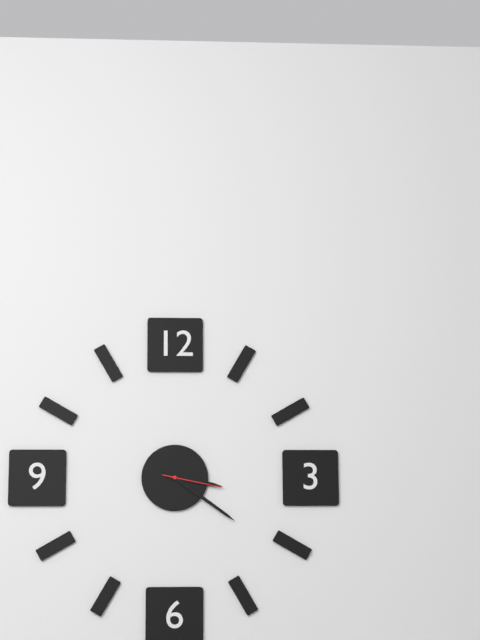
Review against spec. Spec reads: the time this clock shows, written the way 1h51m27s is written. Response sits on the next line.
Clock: 3h21m17s
